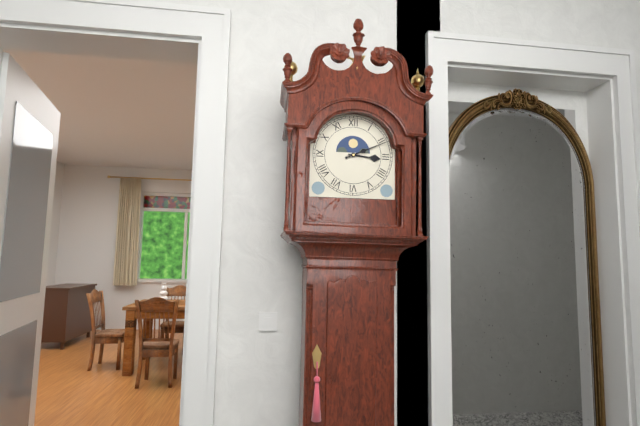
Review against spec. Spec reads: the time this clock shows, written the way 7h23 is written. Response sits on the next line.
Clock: 3h11
